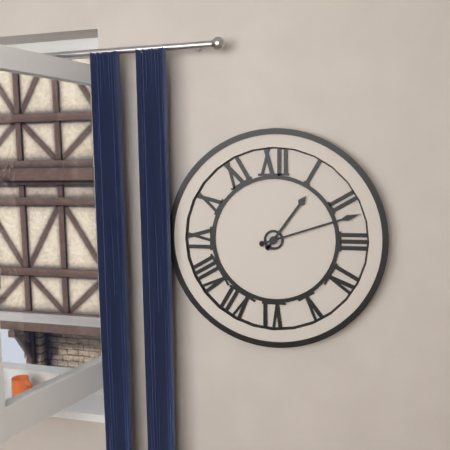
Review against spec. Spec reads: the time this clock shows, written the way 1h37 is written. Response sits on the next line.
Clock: 1h12
